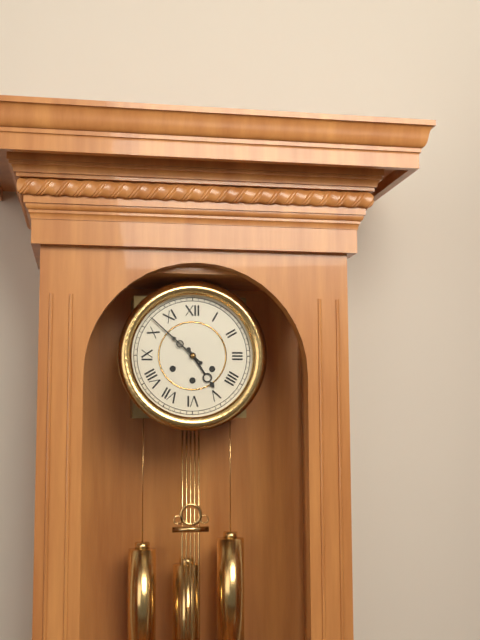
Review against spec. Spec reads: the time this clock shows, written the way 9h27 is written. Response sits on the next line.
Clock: 4h52
